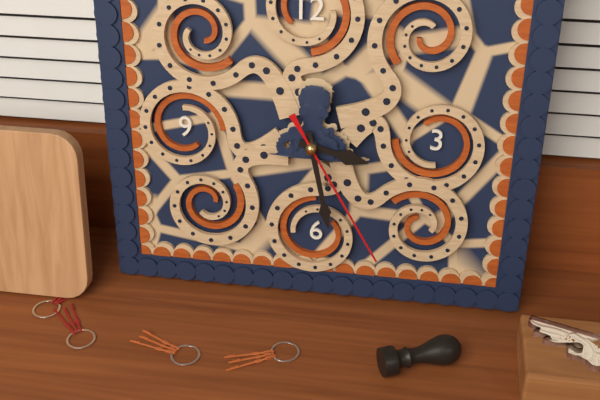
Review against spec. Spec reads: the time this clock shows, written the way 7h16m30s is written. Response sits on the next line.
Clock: 3h28m25s
